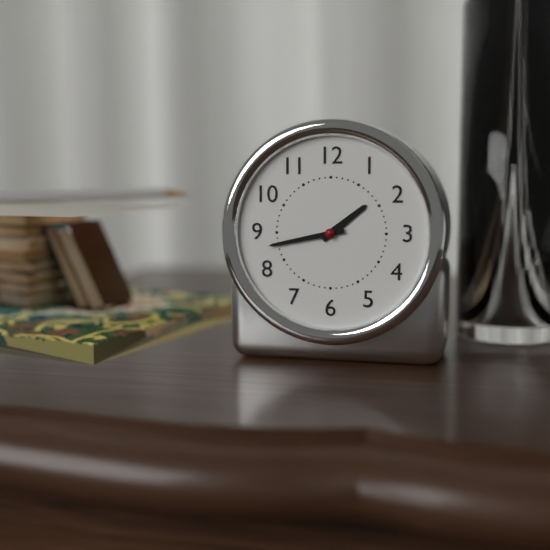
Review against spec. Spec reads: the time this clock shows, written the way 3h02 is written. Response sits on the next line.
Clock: 1h43
